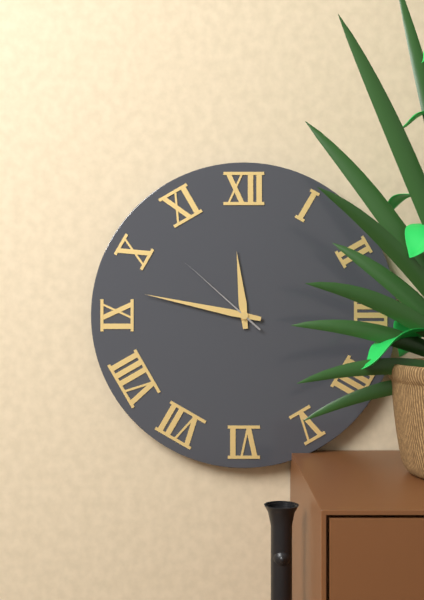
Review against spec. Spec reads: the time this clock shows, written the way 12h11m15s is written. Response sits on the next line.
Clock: 11h47m52s
